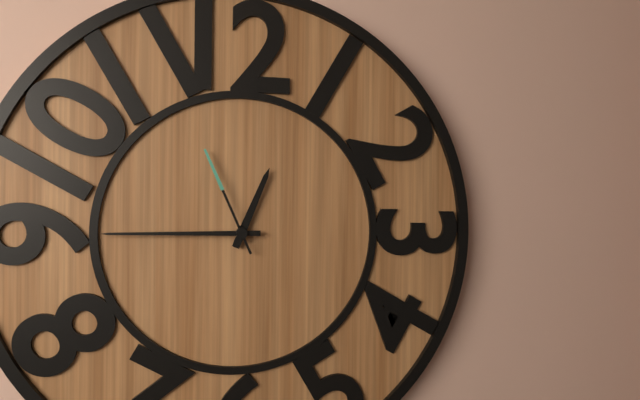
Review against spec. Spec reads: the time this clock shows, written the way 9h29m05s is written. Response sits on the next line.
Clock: 12h45m56s
